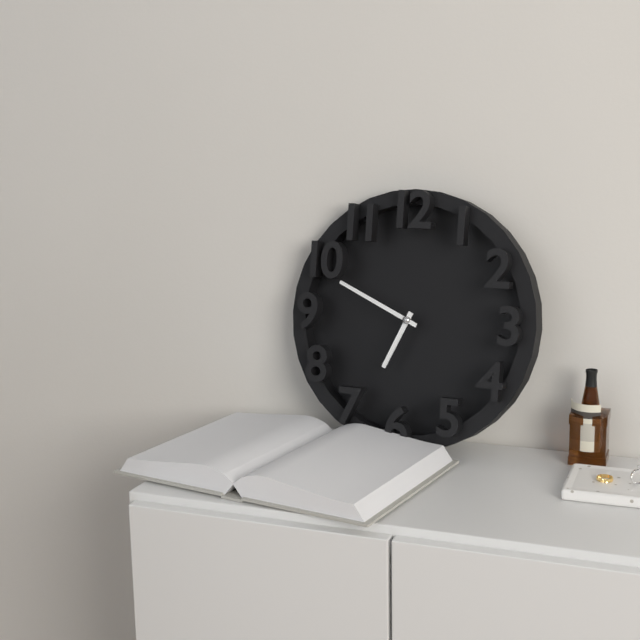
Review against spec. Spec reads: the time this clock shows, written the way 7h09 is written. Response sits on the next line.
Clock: 6h49
